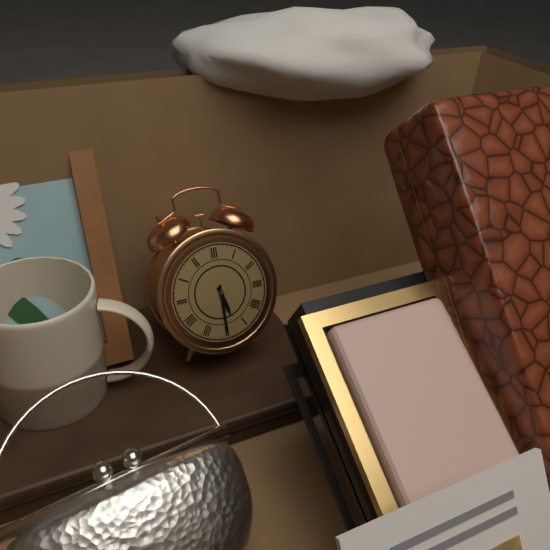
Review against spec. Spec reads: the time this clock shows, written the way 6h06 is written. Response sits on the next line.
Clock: 5h30
